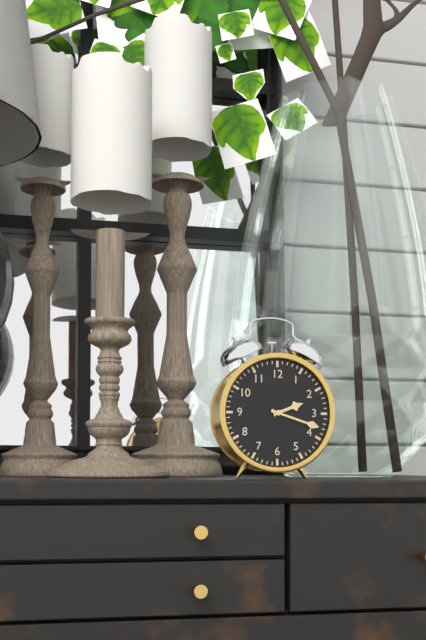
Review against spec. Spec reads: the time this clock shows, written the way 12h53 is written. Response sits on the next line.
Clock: 2h18
